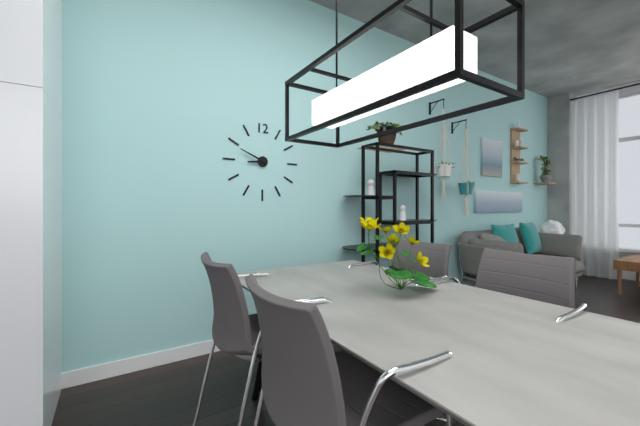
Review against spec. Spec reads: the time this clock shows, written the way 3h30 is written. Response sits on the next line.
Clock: 8h49
